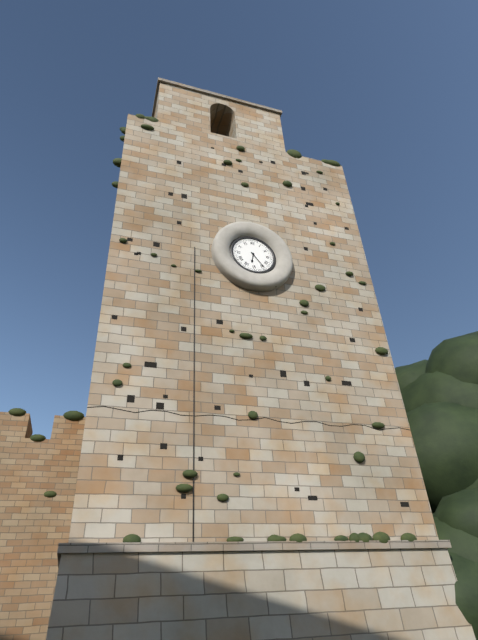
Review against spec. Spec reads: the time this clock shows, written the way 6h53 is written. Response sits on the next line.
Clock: 6h24
